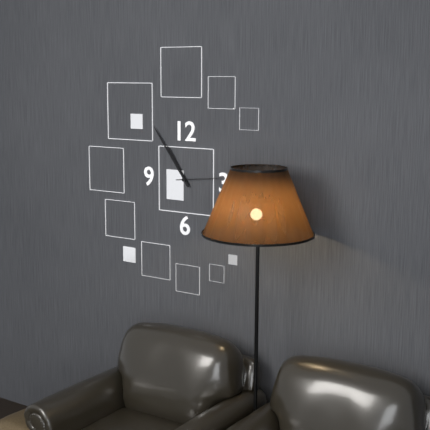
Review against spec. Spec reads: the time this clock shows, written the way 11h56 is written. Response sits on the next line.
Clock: 10h54
